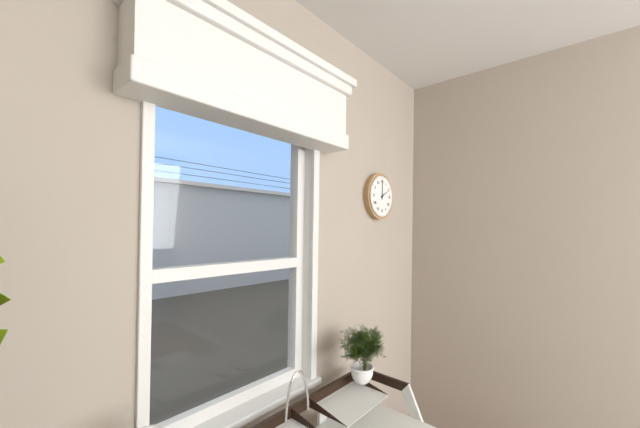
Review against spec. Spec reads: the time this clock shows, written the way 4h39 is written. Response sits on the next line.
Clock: 2h00
